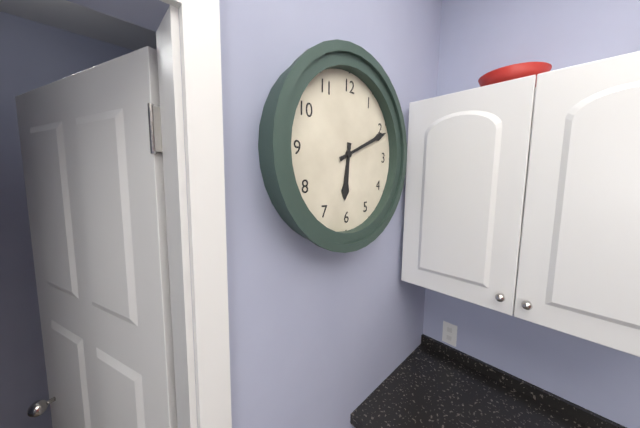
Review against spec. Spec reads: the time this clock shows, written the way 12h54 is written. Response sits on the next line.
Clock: 6h11
